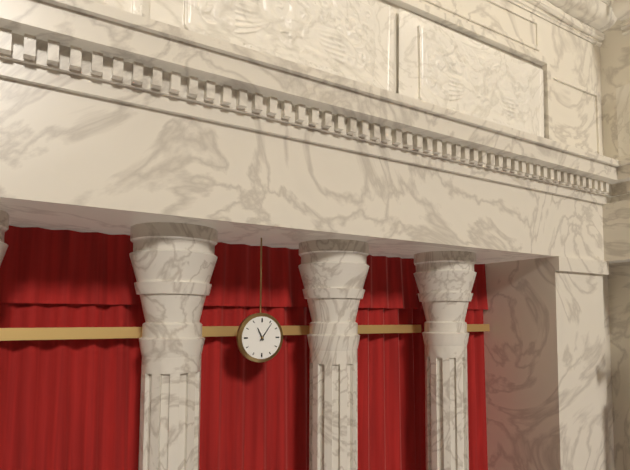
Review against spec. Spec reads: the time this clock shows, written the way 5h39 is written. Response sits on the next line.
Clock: 11h06
